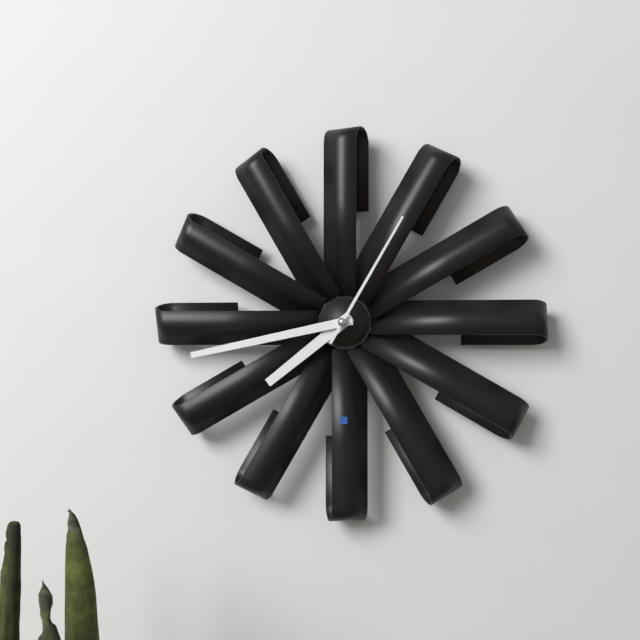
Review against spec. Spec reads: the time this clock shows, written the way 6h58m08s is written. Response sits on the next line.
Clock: 7h43m05s
